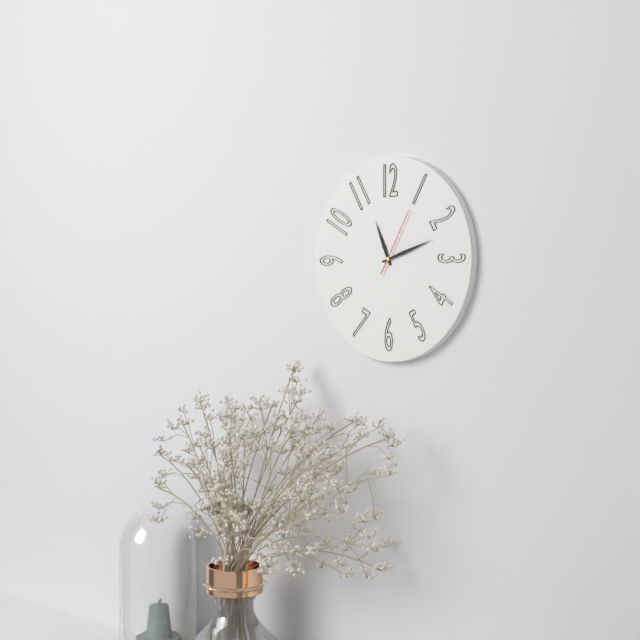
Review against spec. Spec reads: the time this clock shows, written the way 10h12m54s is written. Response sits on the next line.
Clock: 11h12m05s
